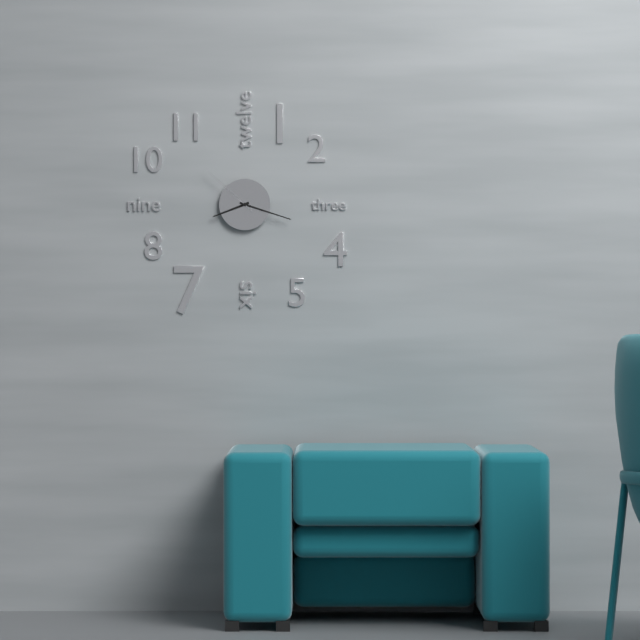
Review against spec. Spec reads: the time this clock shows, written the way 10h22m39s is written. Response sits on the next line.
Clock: 8h18m52s
